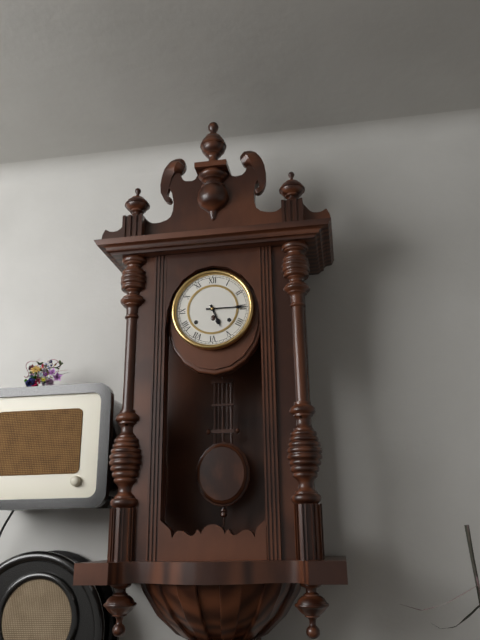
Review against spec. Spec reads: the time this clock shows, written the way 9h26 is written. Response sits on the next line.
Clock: 5h15
